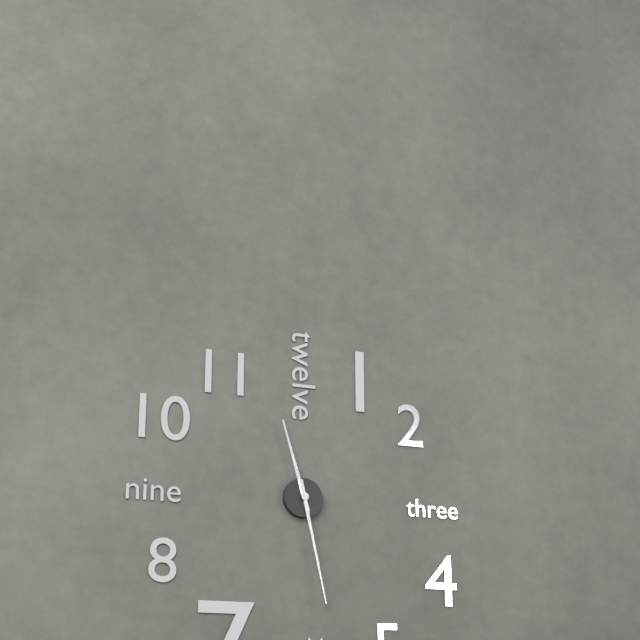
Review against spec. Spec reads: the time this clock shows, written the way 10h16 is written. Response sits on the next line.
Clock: 11h28
